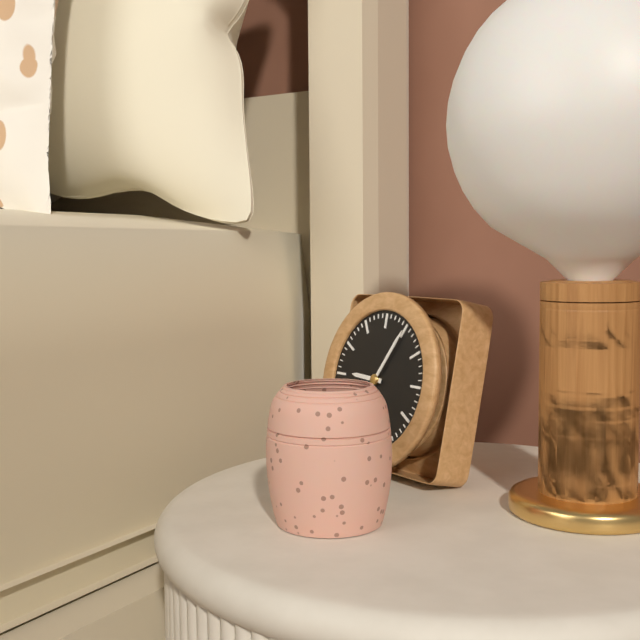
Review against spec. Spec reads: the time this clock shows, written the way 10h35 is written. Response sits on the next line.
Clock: 9h05
